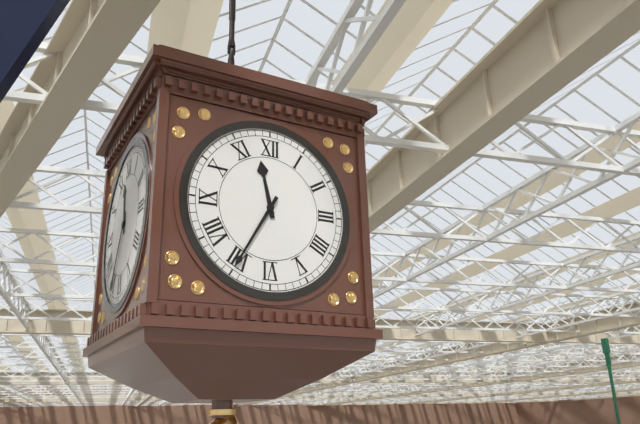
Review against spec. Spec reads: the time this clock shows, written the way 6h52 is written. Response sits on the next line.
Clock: 11h35
